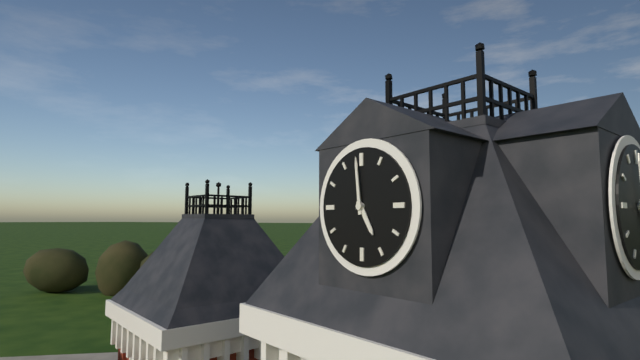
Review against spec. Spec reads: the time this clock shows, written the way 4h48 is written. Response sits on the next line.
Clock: 4h59
